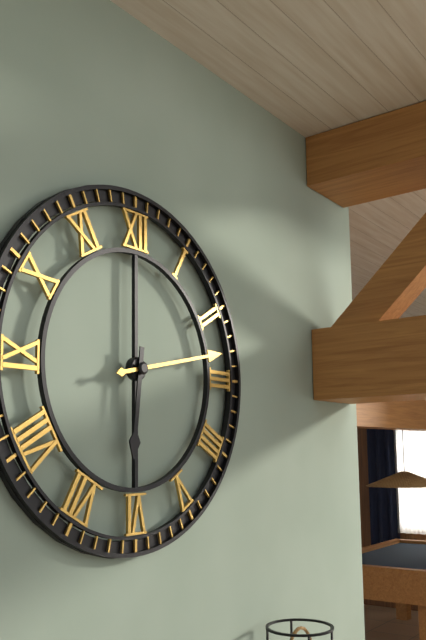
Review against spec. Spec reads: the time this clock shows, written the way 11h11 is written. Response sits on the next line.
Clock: 6h13
